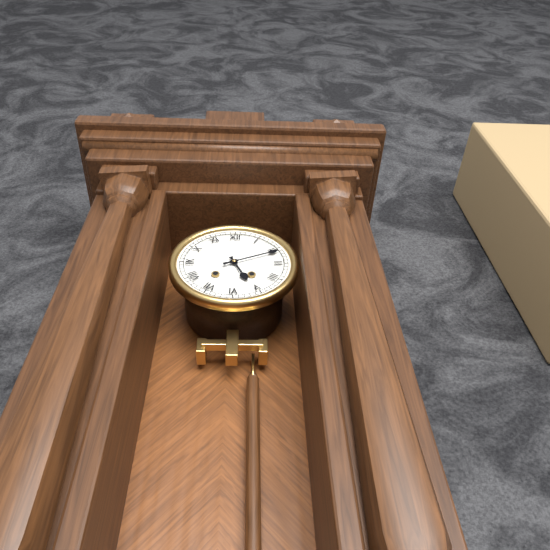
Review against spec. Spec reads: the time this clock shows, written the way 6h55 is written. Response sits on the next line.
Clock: 5h11
